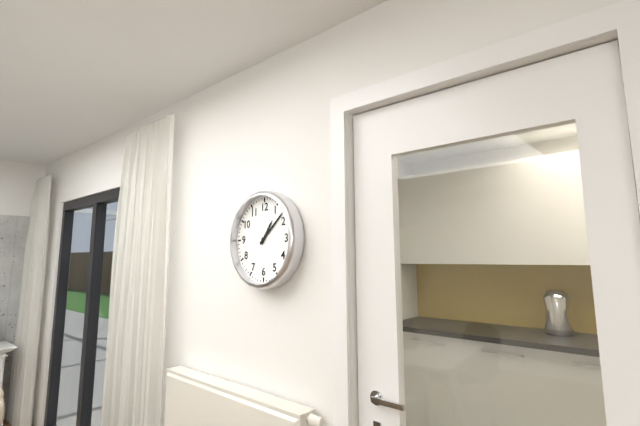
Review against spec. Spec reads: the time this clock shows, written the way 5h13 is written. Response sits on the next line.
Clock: 1h08
